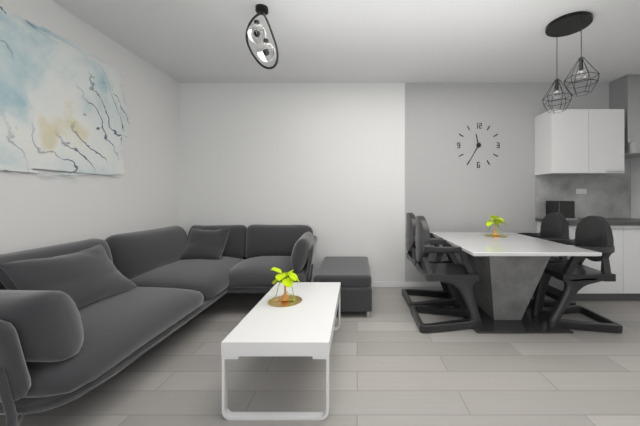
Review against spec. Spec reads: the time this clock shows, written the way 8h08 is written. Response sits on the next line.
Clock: 11h35
